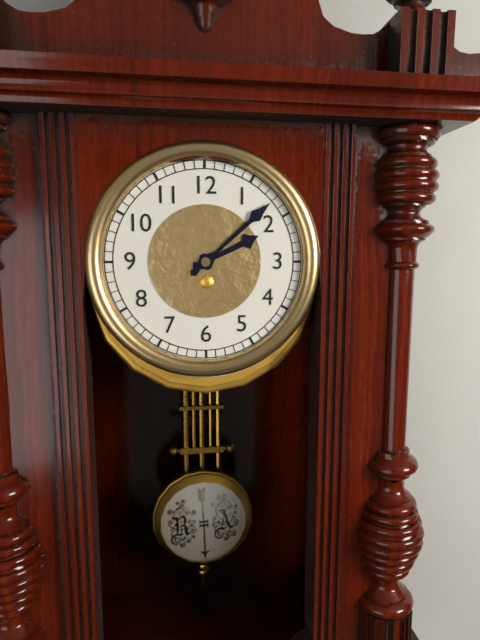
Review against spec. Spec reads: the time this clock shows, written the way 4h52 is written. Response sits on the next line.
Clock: 2h08
